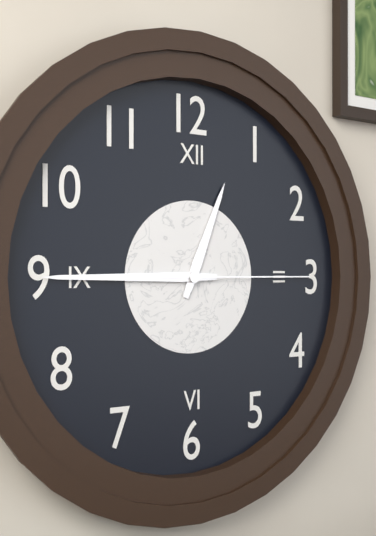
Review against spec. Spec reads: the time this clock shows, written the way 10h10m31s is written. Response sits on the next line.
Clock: 12h45m15s
